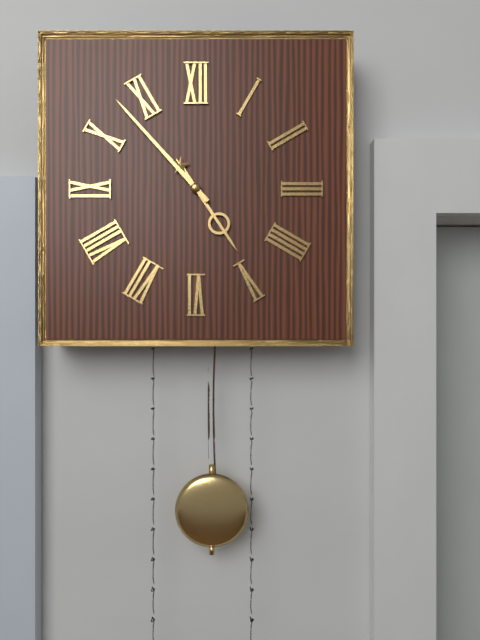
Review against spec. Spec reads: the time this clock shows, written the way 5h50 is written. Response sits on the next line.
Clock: 4h53
